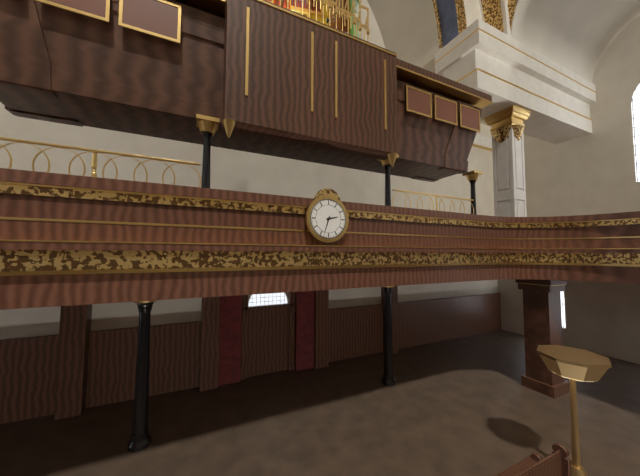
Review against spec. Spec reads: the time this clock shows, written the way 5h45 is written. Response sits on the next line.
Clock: 2h33
